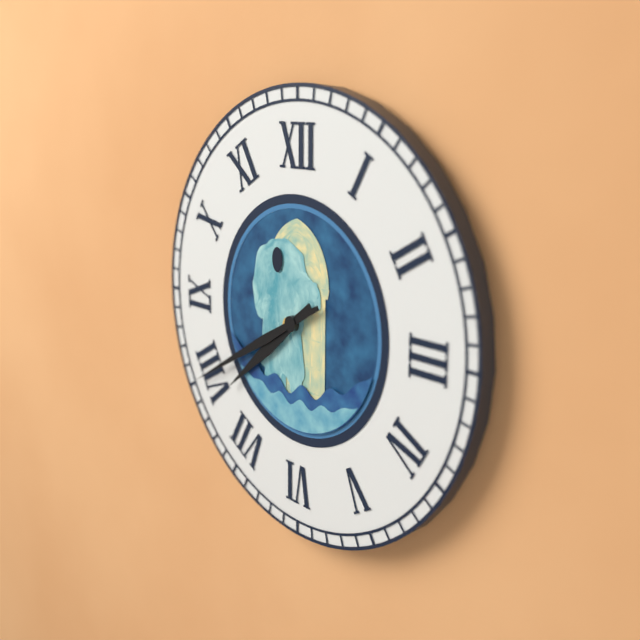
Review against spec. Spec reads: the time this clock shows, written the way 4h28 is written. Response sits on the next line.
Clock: 7h40
